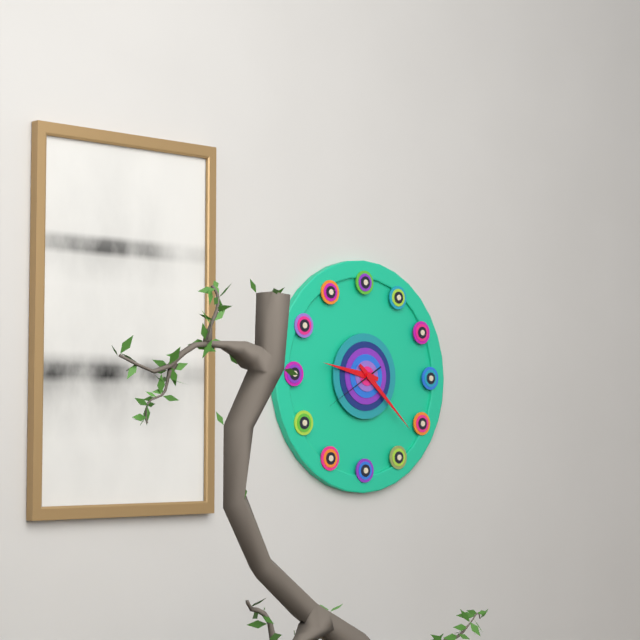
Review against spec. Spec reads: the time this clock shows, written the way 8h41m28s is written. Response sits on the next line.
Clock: 9h22m40s
